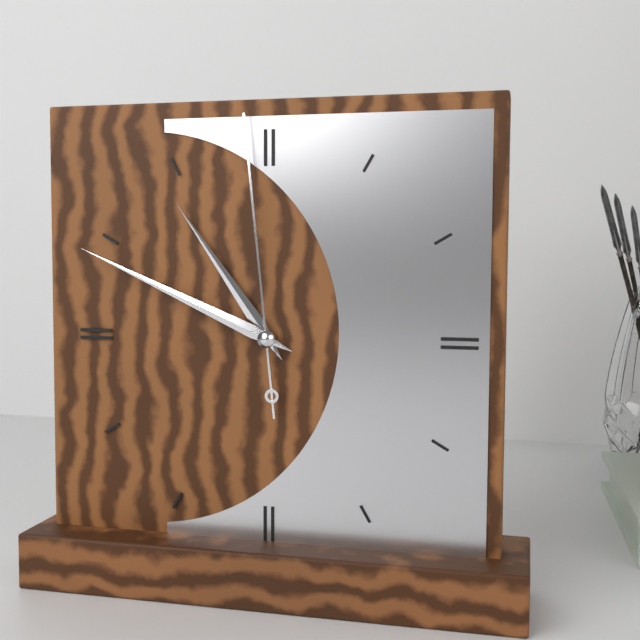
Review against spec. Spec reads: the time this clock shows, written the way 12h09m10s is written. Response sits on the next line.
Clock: 10h49m59s
